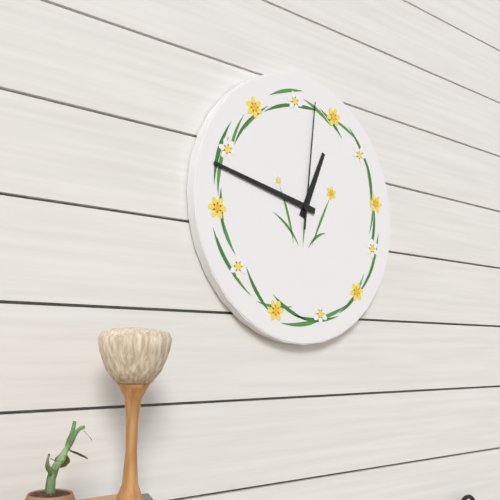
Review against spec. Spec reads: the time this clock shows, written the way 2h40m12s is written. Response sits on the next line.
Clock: 12h47m01s
